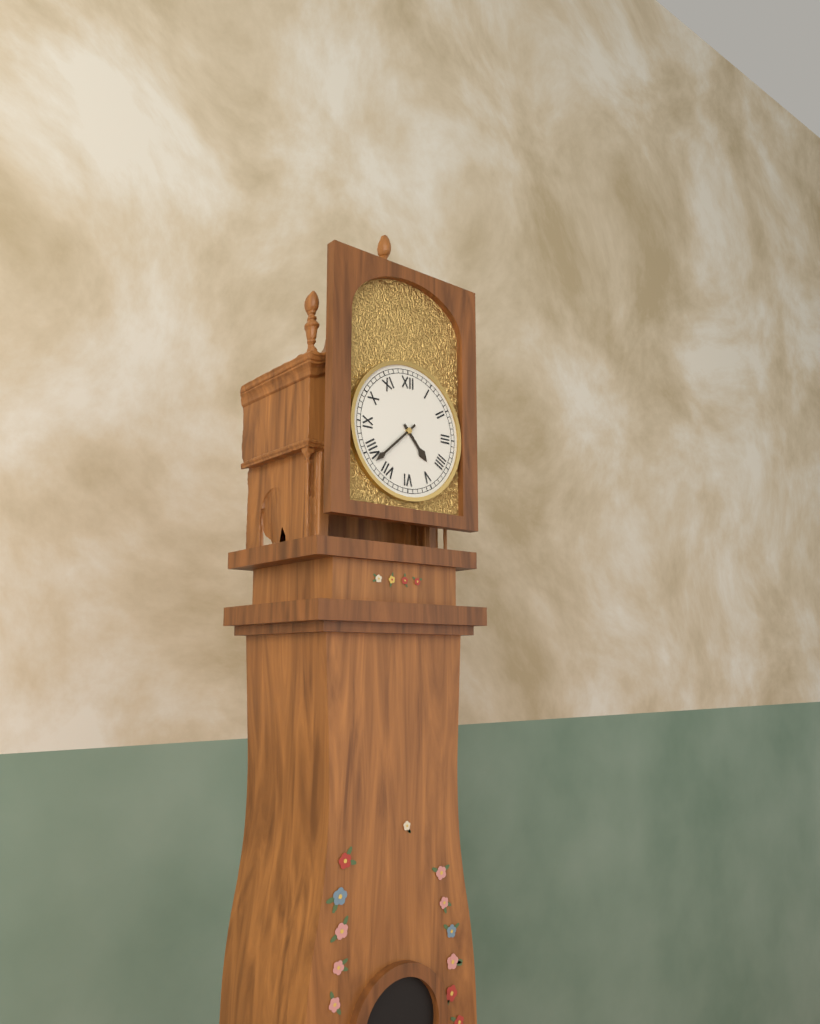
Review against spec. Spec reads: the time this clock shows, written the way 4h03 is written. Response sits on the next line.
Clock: 4h38
